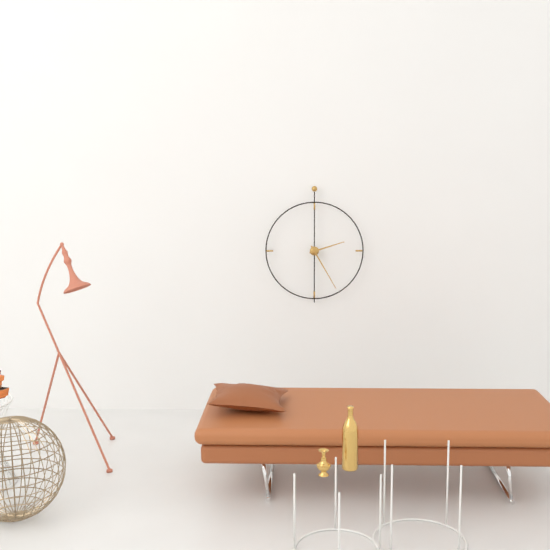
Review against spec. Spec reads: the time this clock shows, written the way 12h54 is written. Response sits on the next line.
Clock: 2h25
